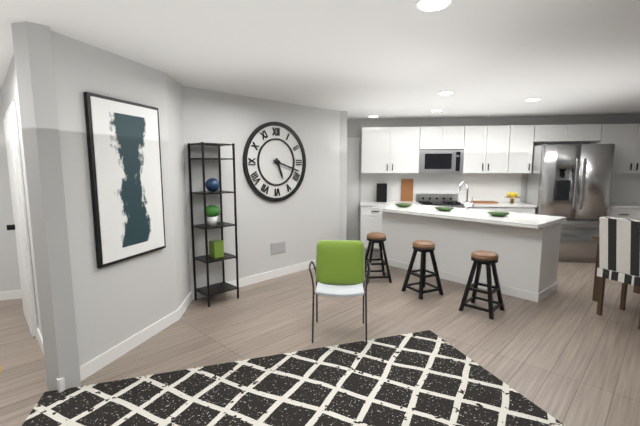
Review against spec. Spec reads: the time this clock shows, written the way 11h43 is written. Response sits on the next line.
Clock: 5h18
